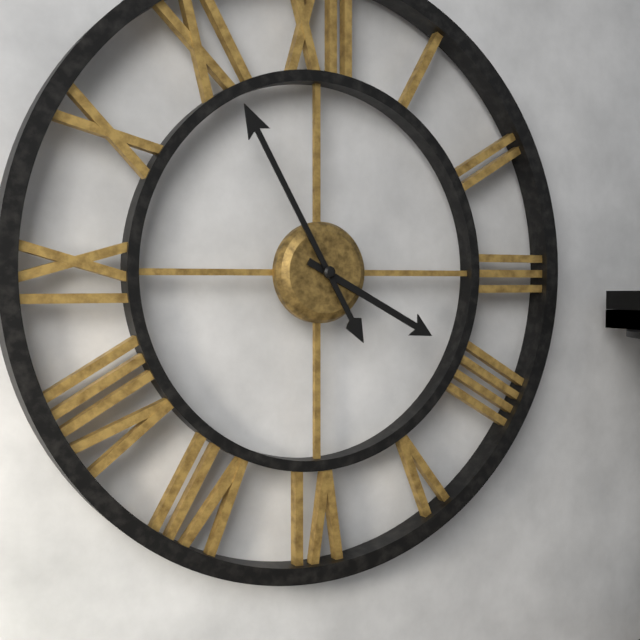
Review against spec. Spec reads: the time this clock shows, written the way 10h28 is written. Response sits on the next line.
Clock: 3h55
